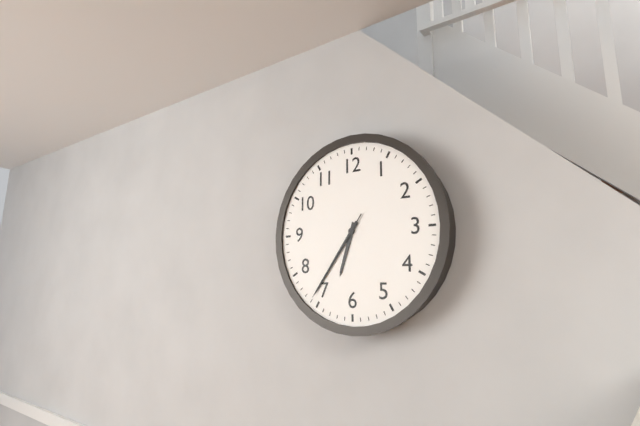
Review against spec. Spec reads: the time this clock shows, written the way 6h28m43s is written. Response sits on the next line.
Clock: 6h36m36s
